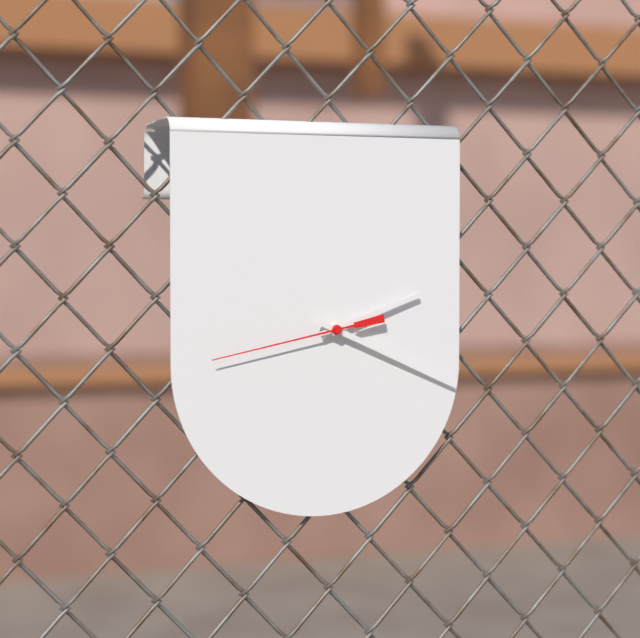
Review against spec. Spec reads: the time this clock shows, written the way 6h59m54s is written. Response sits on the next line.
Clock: 2h19m43s
